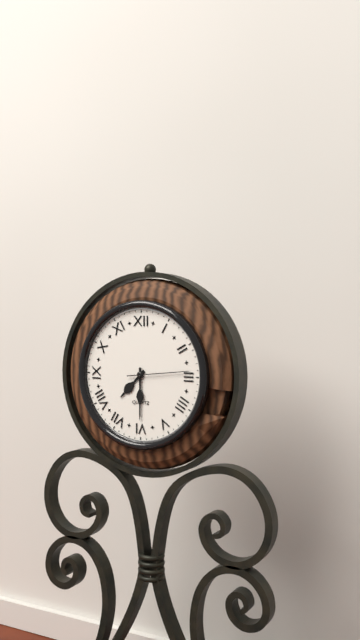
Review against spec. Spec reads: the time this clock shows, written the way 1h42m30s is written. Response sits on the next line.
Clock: 7h30m14s
